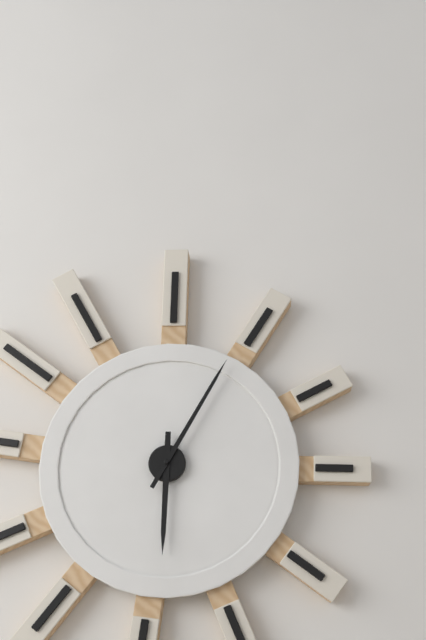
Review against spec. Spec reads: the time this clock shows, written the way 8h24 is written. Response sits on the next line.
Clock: 6h05
